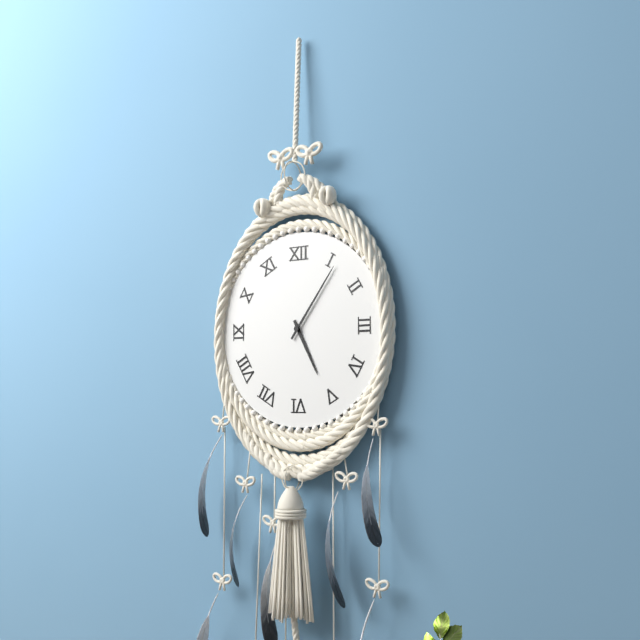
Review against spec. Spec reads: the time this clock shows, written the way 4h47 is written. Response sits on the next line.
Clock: 5h06
